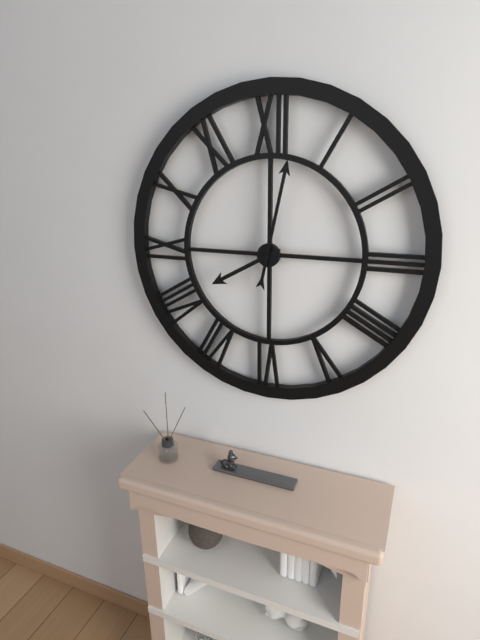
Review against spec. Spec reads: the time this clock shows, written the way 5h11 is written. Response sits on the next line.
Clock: 8h02
